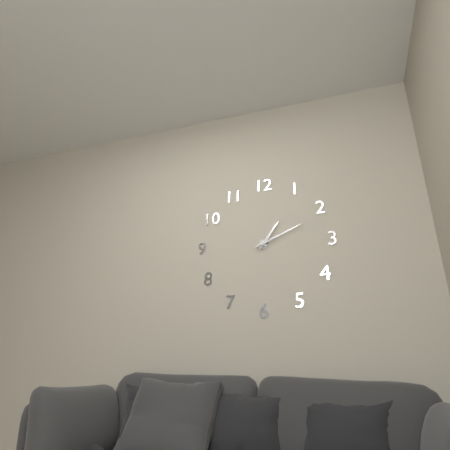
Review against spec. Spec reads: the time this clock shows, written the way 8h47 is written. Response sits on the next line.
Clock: 1h11
